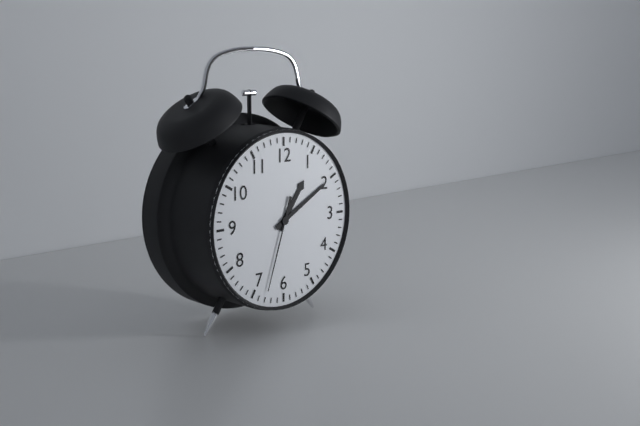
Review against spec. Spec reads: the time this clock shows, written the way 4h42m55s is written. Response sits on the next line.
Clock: 1h10m33s
